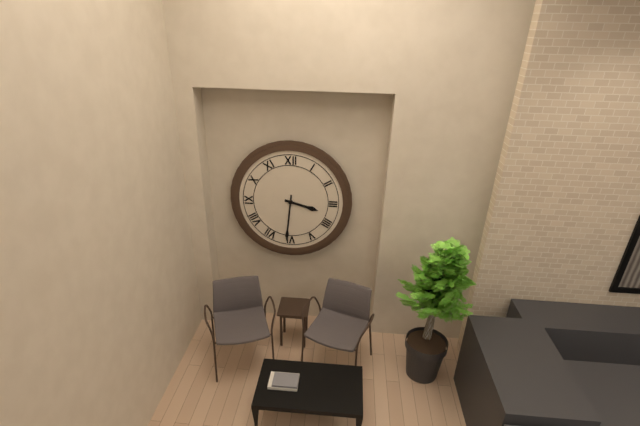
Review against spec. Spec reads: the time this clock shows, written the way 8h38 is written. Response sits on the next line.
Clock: 3h31
